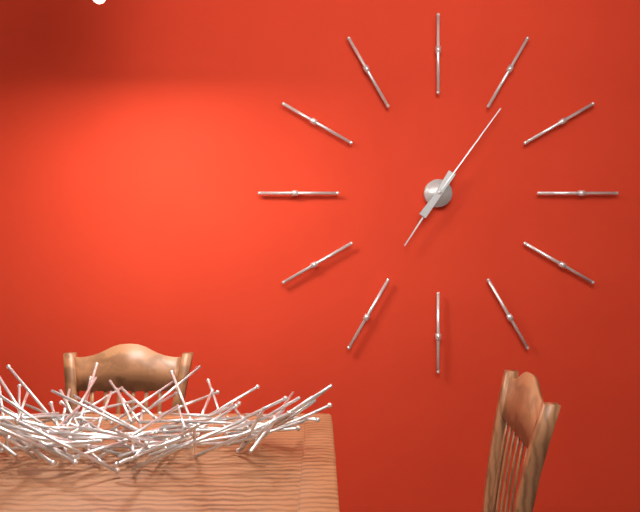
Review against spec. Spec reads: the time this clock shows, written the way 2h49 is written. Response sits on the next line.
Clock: 7h06
